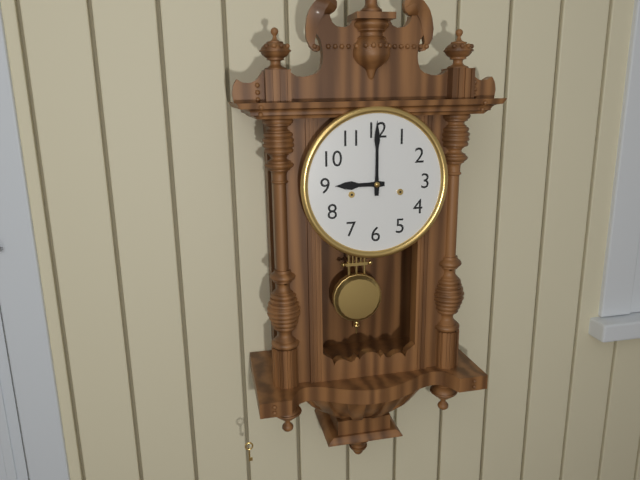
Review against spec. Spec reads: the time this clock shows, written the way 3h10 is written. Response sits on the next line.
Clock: 9h00
